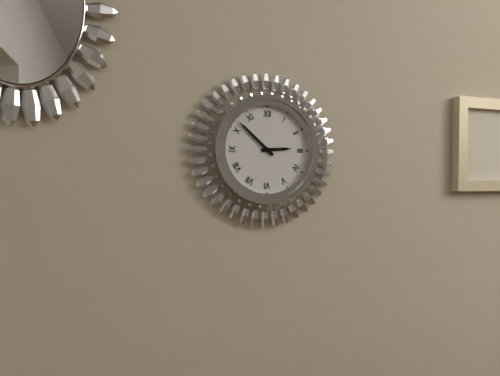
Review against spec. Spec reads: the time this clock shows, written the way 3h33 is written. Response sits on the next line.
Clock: 2h52
